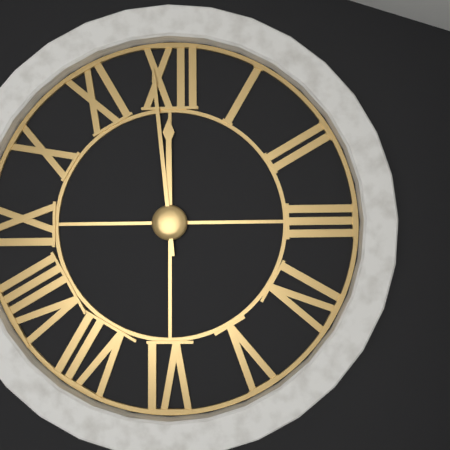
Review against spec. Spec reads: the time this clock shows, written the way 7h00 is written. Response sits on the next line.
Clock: 11h59
